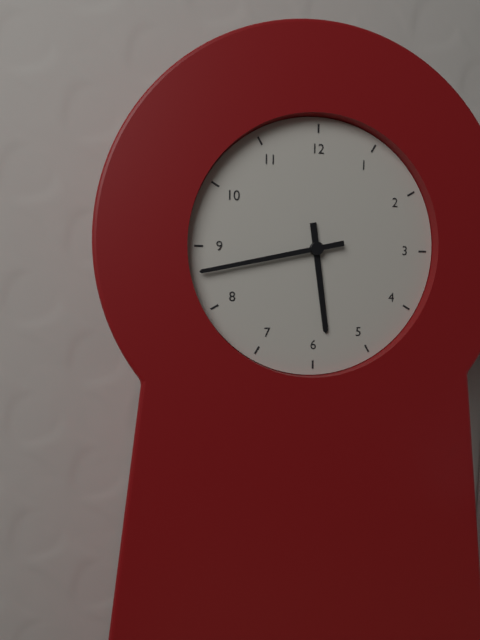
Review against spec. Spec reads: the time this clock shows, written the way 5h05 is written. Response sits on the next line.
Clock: 5h43
